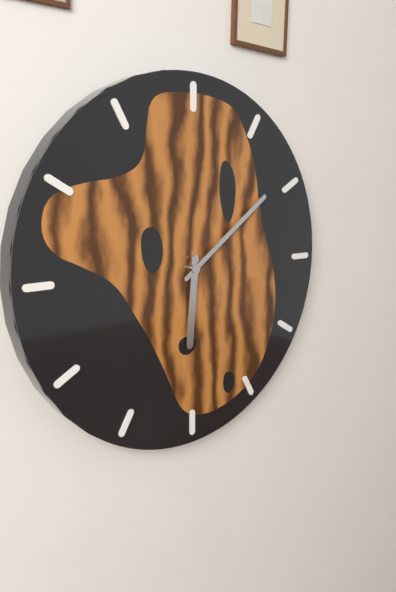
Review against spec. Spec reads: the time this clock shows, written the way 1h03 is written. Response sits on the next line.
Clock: 6h09
